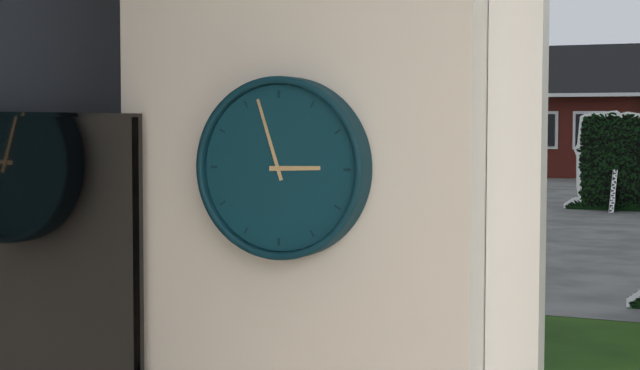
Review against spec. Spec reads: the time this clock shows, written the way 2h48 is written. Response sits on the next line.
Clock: 2h57
